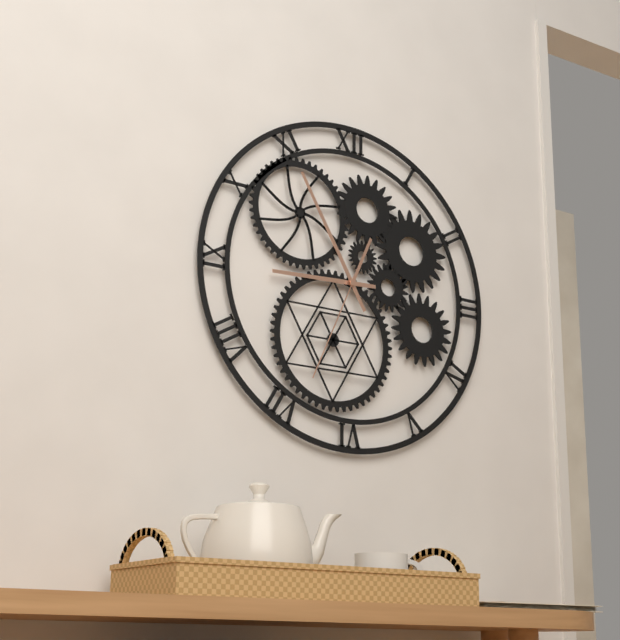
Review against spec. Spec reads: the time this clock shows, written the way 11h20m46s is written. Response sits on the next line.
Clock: 8h55m34s
